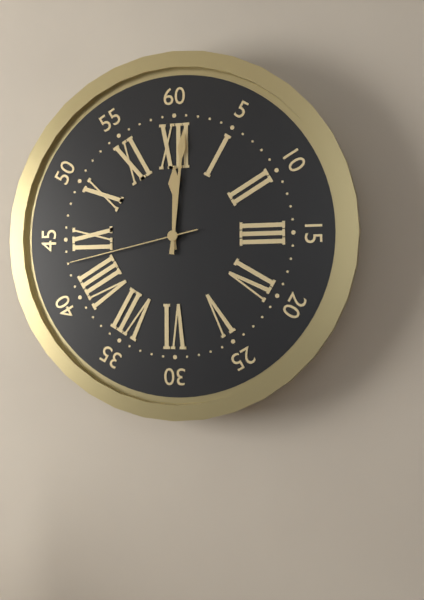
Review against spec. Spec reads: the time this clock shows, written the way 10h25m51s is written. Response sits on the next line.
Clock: 12h01m43s
